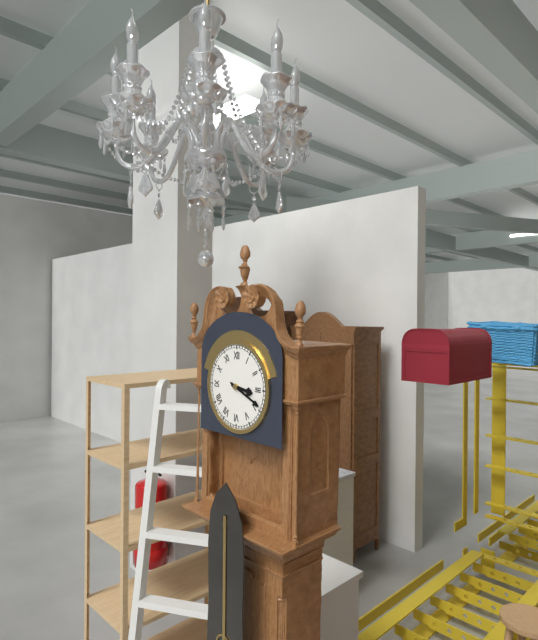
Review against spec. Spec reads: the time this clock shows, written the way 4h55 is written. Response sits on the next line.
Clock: 3h19
